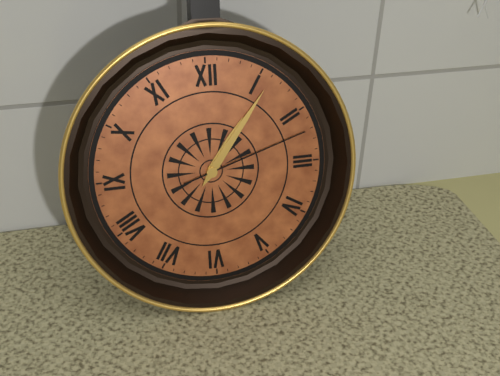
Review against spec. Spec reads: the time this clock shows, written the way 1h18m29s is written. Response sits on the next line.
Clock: 1h06m12s
